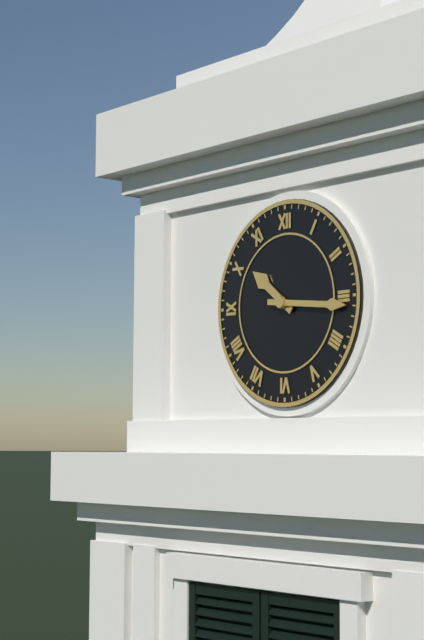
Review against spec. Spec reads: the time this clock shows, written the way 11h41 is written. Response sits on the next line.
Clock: 10h16
